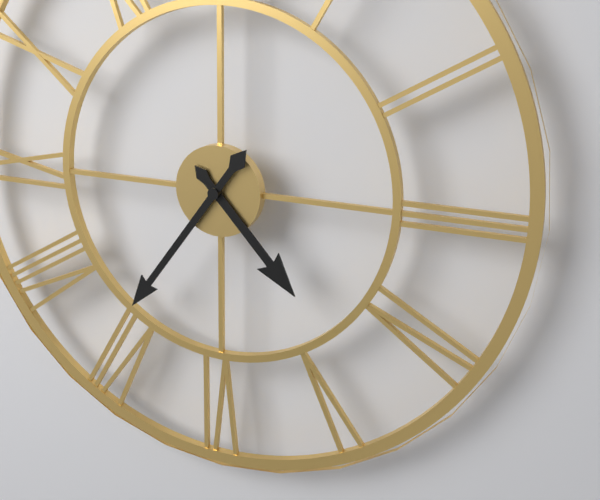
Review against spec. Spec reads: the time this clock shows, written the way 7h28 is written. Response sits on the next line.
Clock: 4h36
